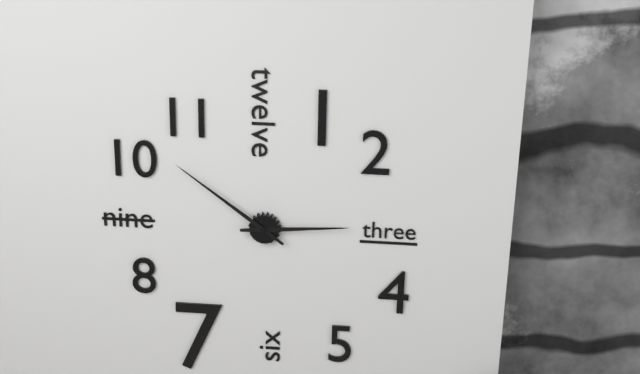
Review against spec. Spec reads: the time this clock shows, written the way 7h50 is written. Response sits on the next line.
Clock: 2h51
